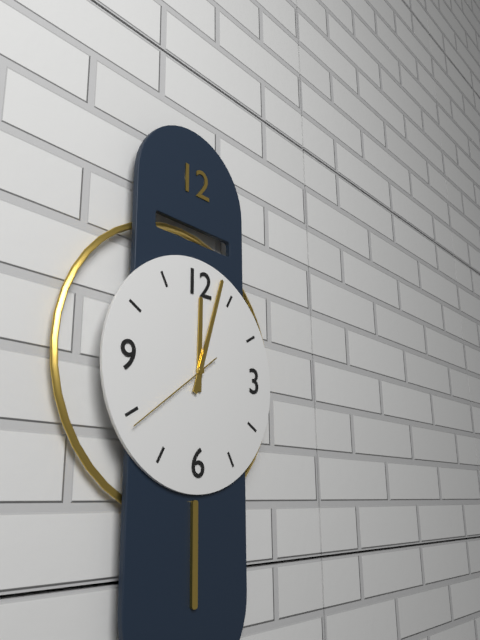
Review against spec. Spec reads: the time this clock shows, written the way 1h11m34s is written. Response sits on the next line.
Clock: 12h03m39s
